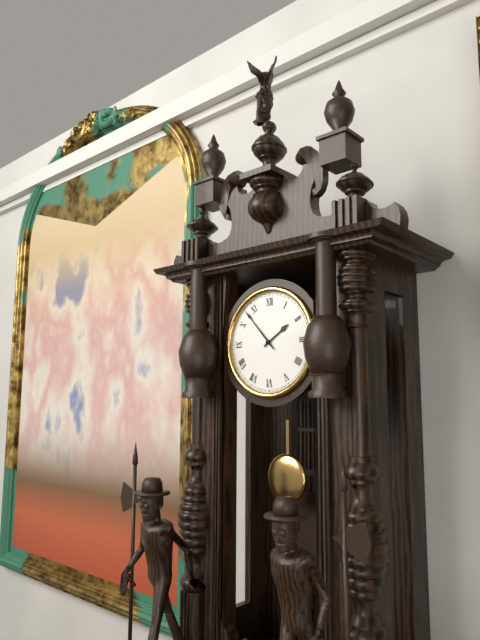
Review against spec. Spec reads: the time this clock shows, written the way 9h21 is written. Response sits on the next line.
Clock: 1h53
